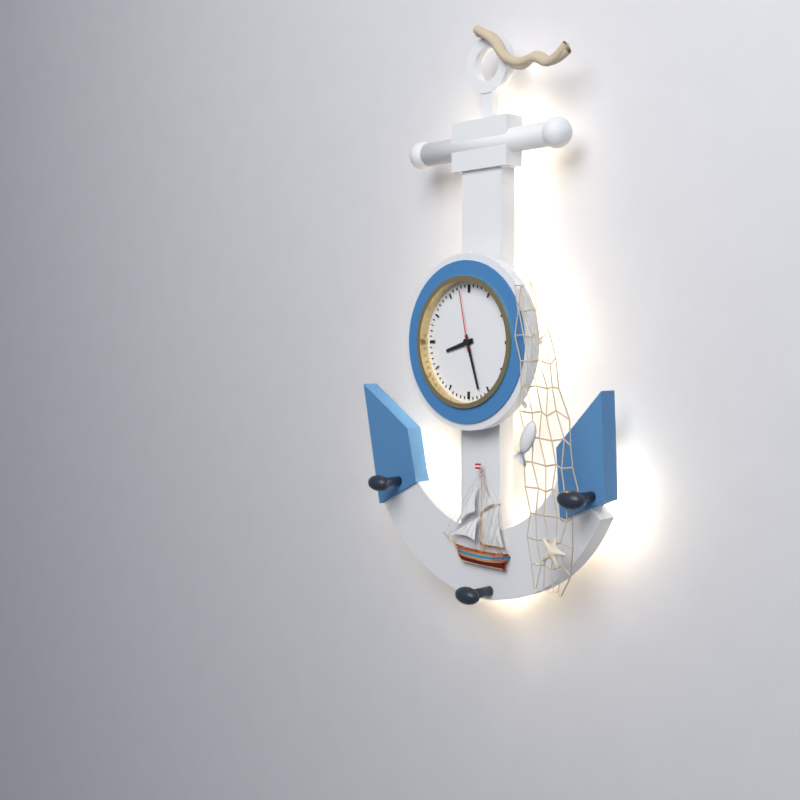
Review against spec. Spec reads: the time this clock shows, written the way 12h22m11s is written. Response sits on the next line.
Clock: 8h27m58s
